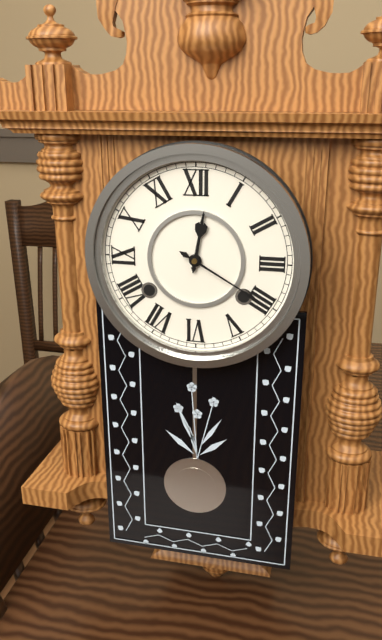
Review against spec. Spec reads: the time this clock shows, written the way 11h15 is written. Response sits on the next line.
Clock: 12h20
